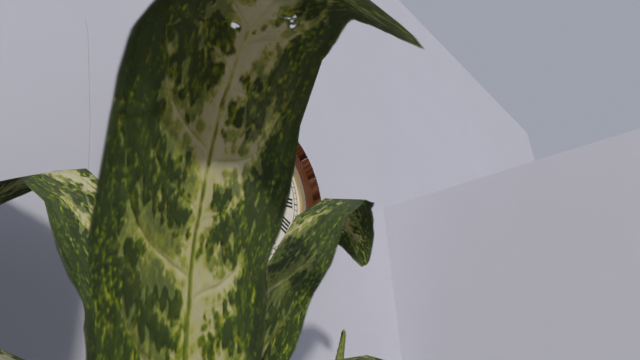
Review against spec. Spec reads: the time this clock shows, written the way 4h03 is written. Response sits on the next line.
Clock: 2h57
